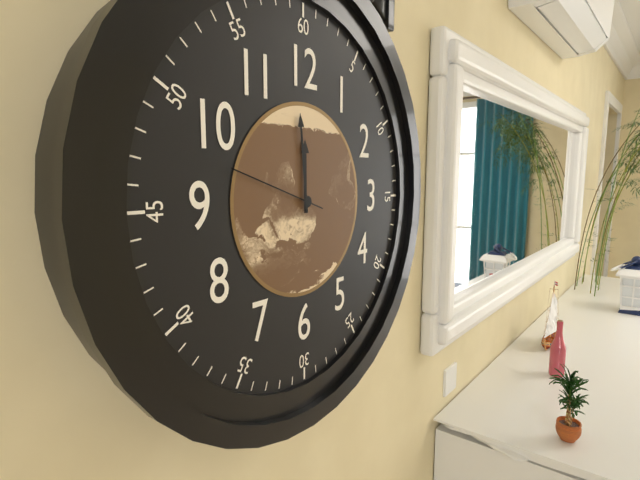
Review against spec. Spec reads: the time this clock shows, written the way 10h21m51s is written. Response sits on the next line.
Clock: 11h59m48s
